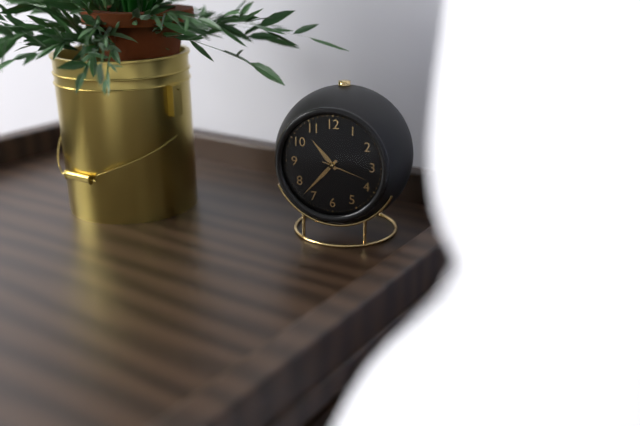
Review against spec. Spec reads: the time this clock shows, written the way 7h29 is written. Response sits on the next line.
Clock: 10h37
